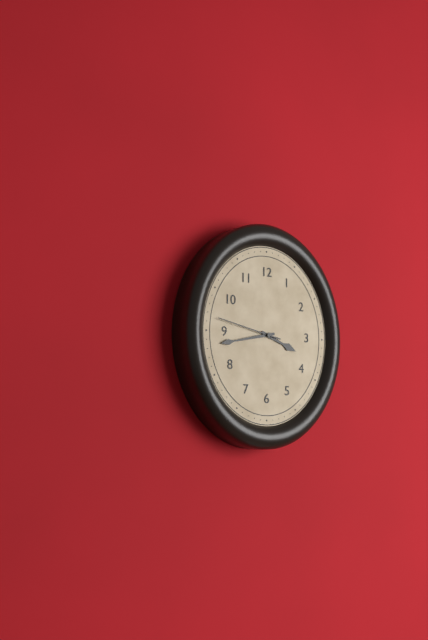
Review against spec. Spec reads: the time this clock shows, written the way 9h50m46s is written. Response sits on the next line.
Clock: 3h43m47s
